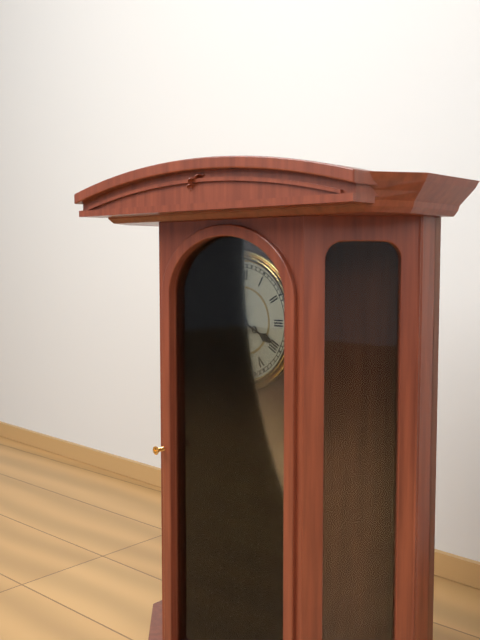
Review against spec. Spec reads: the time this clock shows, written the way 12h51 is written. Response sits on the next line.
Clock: 3h54
